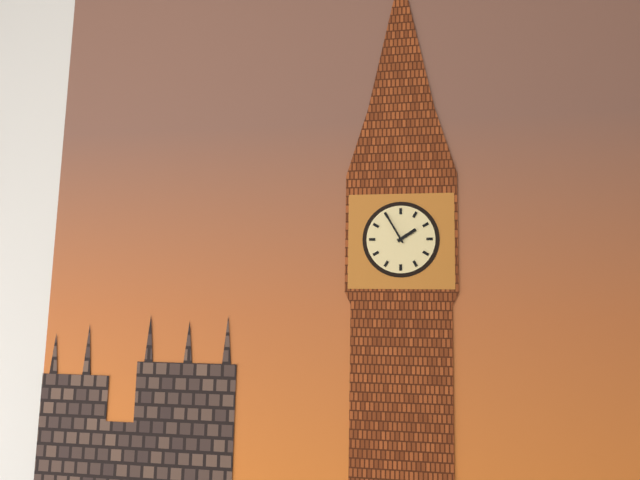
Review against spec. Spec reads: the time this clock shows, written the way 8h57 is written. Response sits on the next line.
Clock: 1h55
